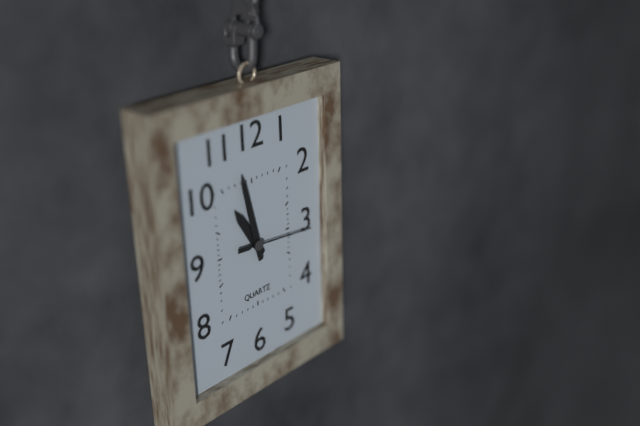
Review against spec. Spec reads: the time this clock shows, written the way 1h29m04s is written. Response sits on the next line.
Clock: 10h58m16s
